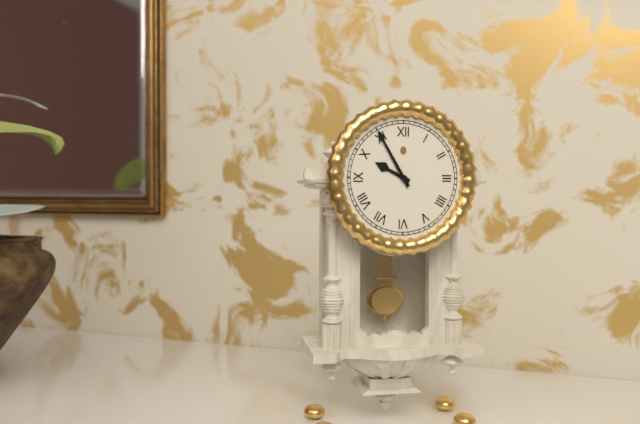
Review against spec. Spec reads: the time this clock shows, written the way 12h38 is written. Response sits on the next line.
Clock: 9h55
